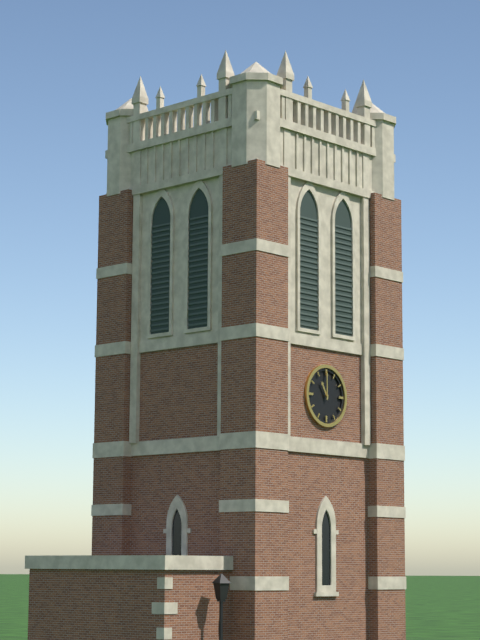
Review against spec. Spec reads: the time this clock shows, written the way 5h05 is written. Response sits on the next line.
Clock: 11h00
